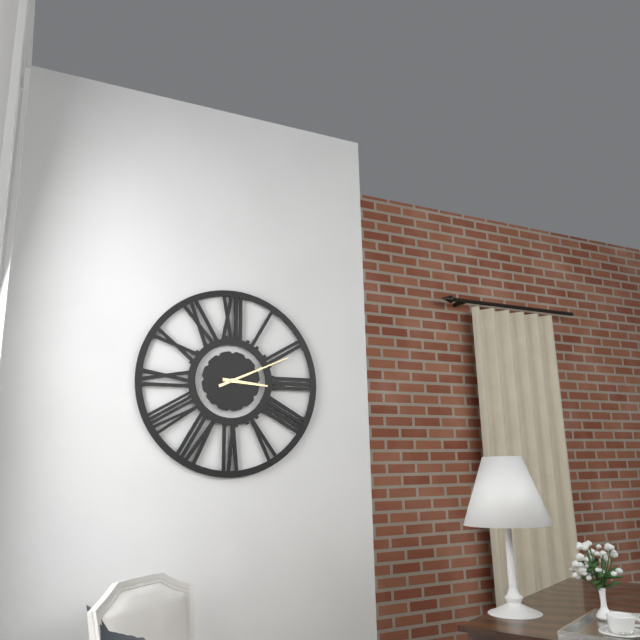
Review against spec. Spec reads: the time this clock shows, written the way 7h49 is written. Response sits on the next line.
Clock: 3h11
